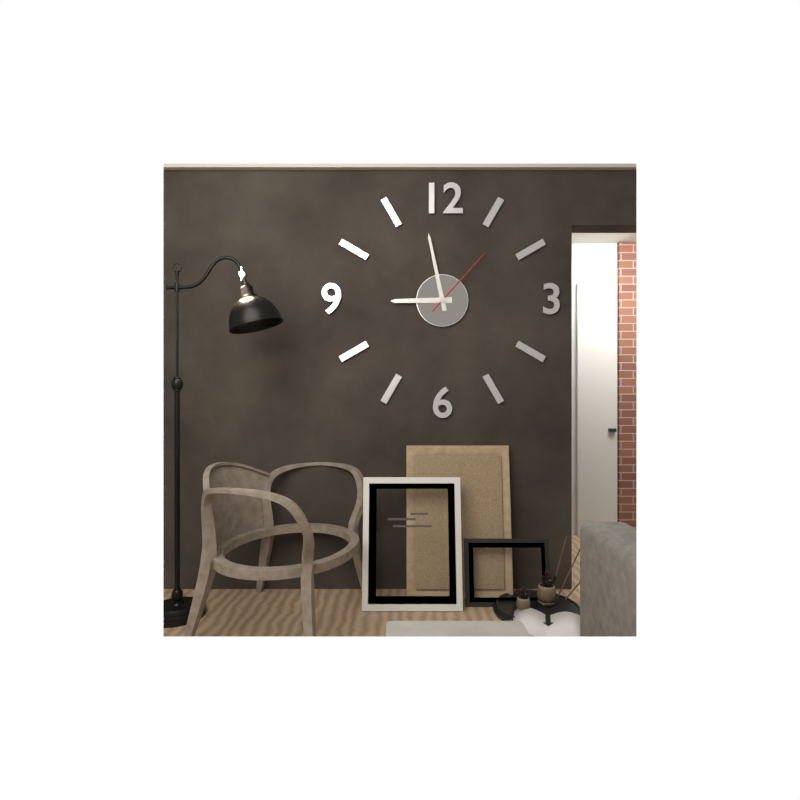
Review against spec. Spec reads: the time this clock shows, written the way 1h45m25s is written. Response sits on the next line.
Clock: 8h58m07s
